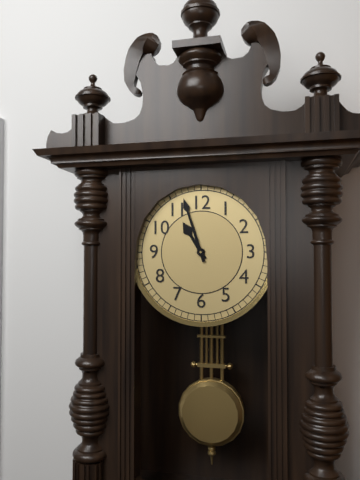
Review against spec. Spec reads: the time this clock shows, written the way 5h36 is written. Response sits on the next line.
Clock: 10h57
